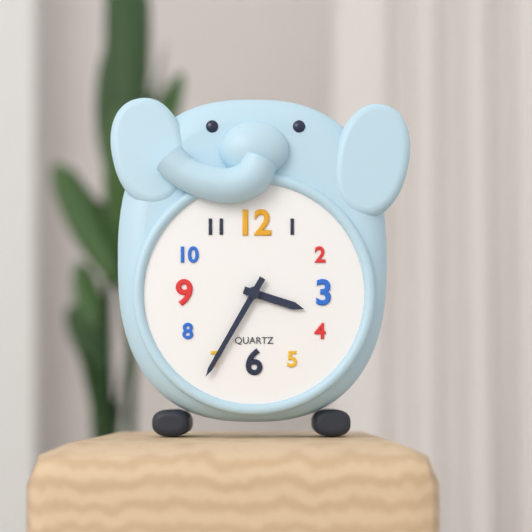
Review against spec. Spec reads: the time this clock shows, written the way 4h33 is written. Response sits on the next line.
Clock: 3h35
